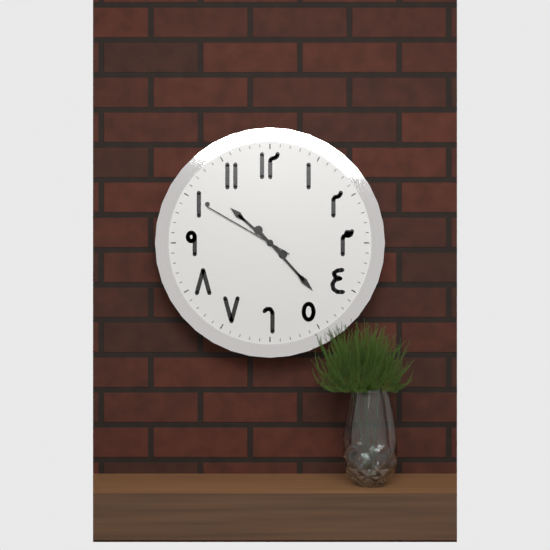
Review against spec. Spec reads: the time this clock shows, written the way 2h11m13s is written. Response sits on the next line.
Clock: 10h23m50s
